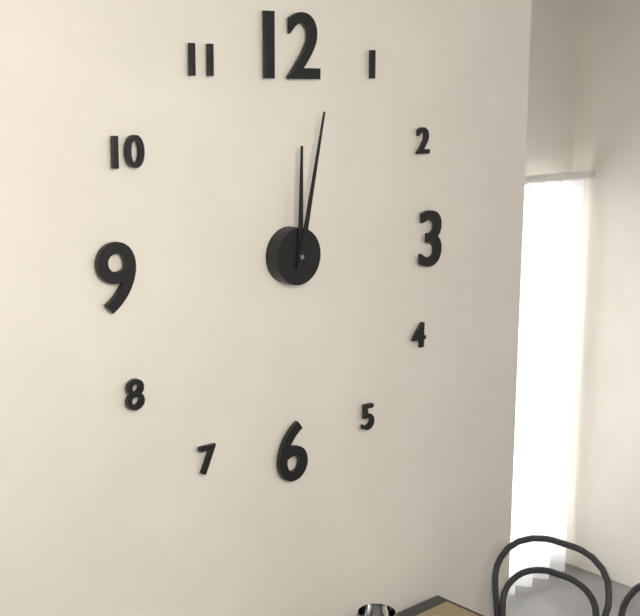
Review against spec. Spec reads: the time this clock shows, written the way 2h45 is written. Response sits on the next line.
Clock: 12h02
